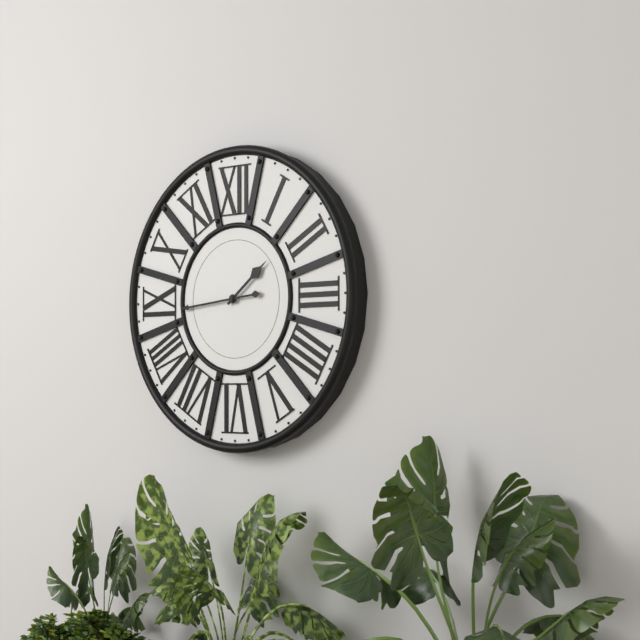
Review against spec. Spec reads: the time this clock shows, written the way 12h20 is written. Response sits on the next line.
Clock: 1h44
